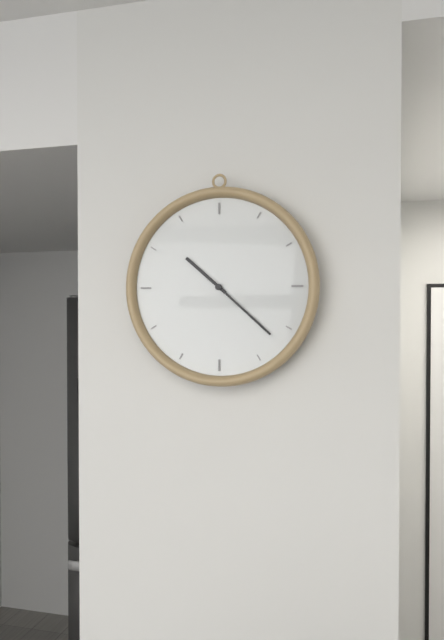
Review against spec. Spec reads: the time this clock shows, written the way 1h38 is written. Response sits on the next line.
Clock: 10h22
